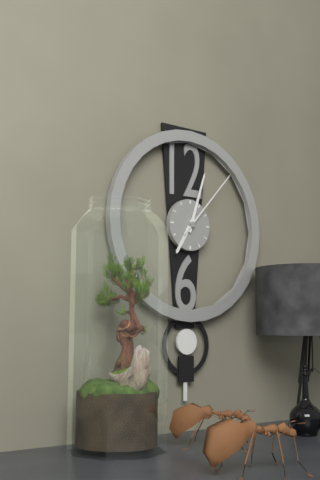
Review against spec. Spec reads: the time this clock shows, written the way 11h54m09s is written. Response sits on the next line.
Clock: 7h03m07s
